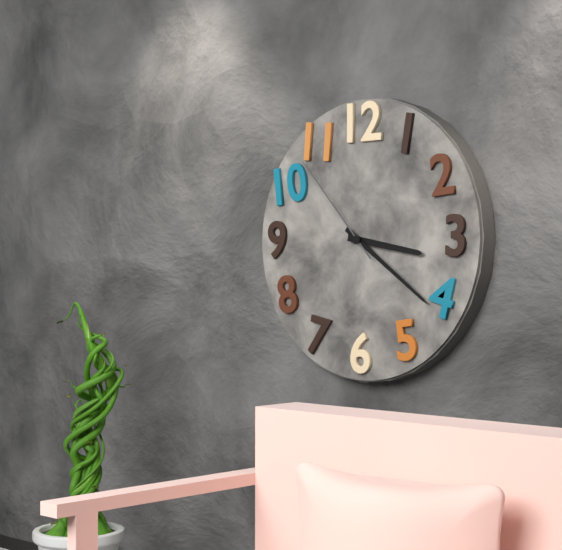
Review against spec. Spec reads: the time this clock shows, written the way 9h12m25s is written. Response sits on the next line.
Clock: 3h21m53s
